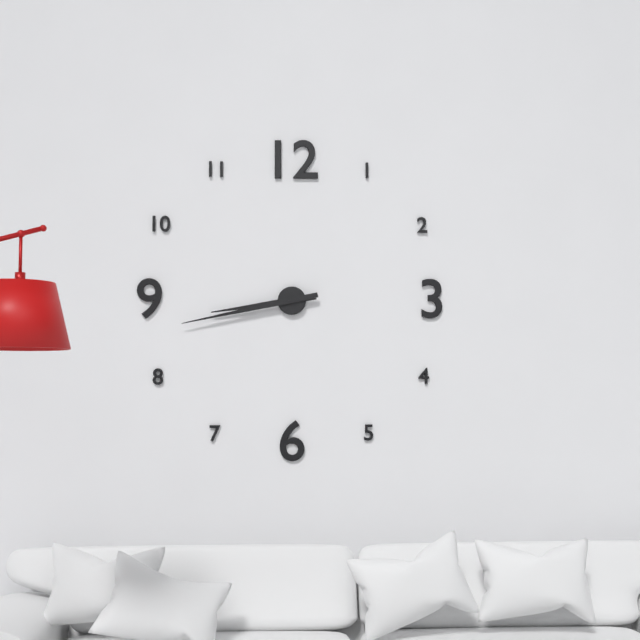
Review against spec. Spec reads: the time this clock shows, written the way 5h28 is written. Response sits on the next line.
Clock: 8h43
